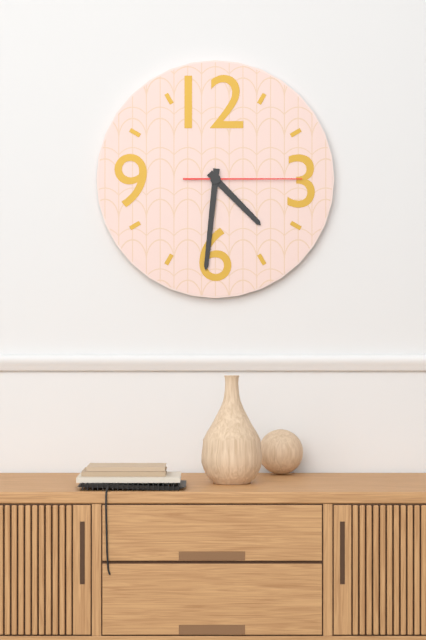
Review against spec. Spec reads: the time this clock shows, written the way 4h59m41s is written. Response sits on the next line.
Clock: 4h31m15s
